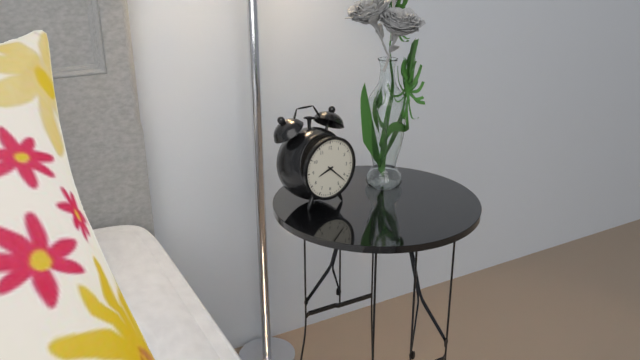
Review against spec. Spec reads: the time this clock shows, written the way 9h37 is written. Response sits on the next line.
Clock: 8h22
